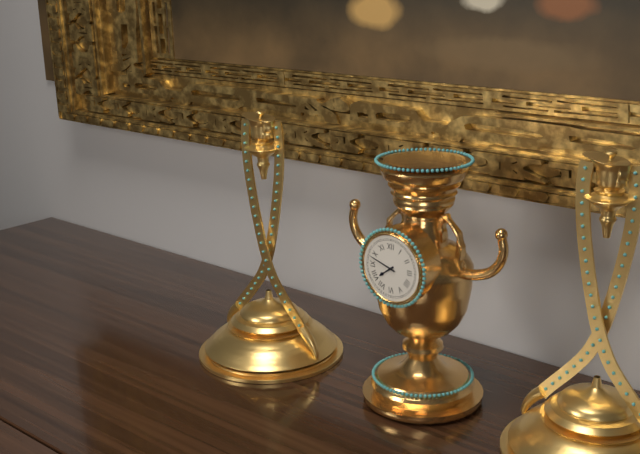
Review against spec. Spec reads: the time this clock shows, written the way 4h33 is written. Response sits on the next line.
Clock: 7h48
